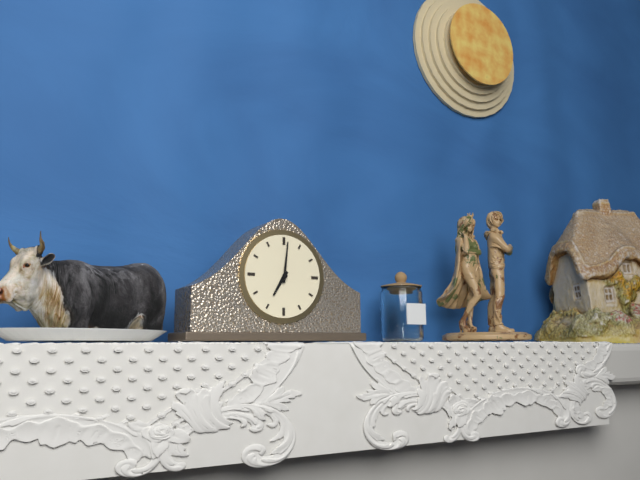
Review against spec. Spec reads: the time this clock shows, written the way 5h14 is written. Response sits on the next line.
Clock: 7h01
